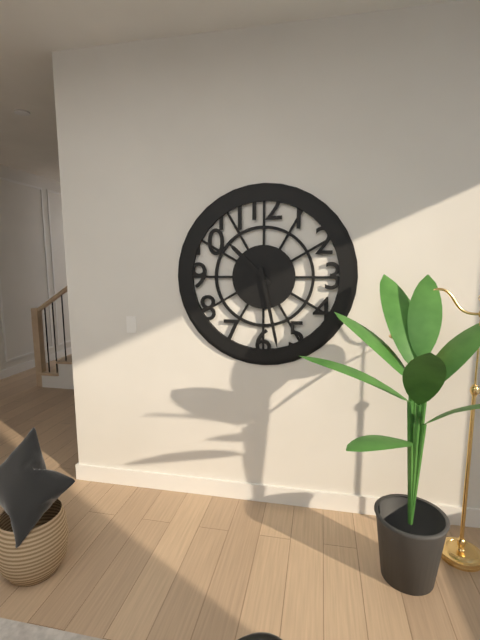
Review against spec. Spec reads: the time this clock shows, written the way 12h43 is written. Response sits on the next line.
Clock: 10h28
